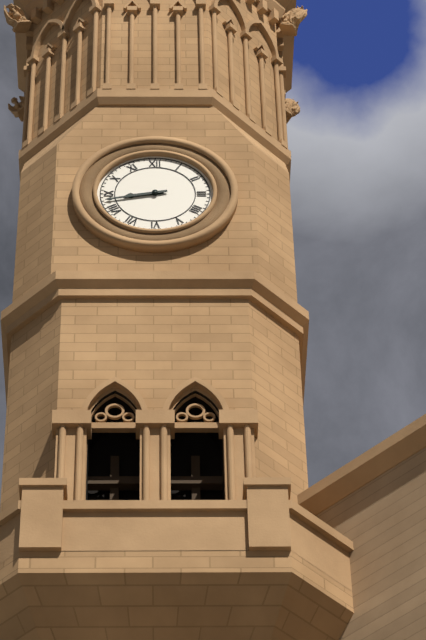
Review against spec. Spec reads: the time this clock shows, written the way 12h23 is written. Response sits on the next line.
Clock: 8h43
